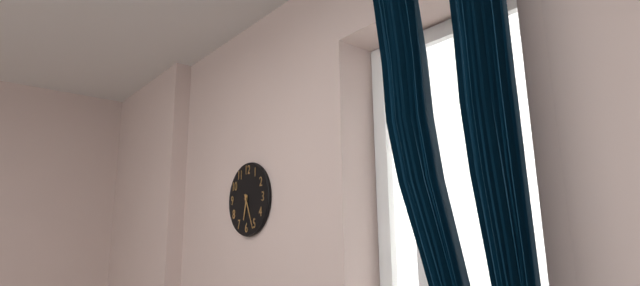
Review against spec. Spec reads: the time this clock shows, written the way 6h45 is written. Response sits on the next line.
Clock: 6h26
